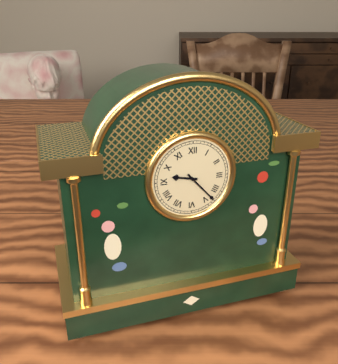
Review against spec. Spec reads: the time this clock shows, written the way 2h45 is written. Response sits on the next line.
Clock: 9h23
